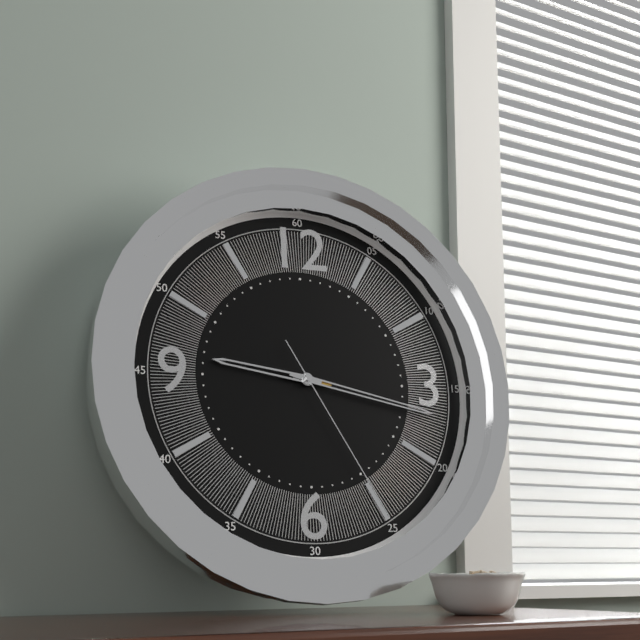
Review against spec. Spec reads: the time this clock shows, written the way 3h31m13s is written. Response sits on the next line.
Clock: 9h17m25s
